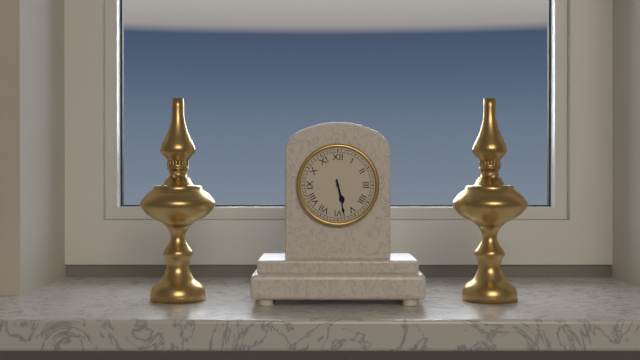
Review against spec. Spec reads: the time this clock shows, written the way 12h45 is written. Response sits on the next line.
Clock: 5h28
